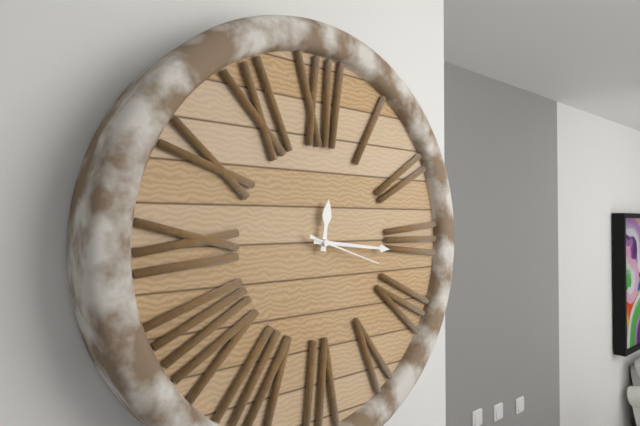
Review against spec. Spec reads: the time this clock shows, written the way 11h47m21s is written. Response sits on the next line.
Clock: 12h16m18s
